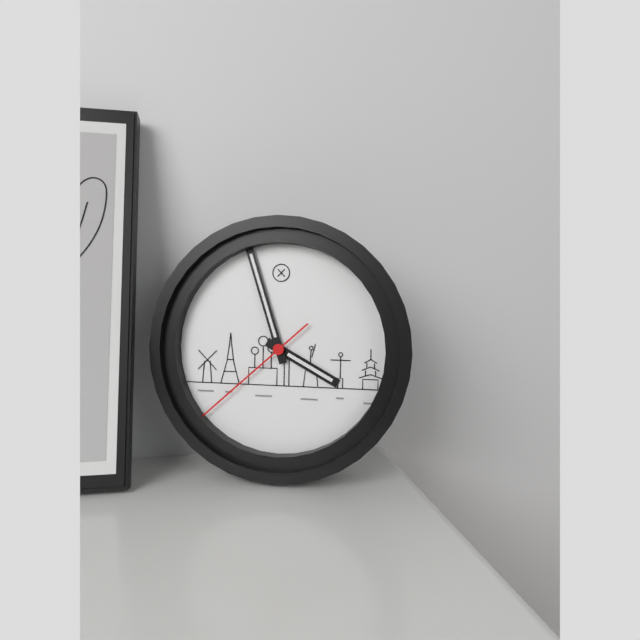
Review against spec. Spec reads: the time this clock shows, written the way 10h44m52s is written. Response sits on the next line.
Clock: 3h57m38s
